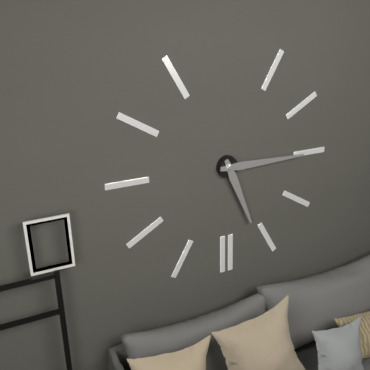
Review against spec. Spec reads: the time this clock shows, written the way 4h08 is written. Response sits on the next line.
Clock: 5h15
